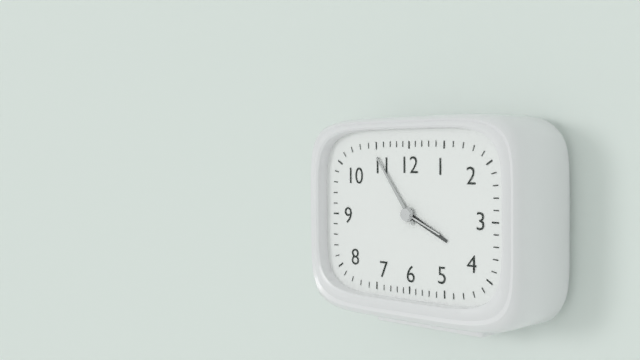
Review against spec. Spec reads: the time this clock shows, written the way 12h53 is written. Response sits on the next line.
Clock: 3h54
